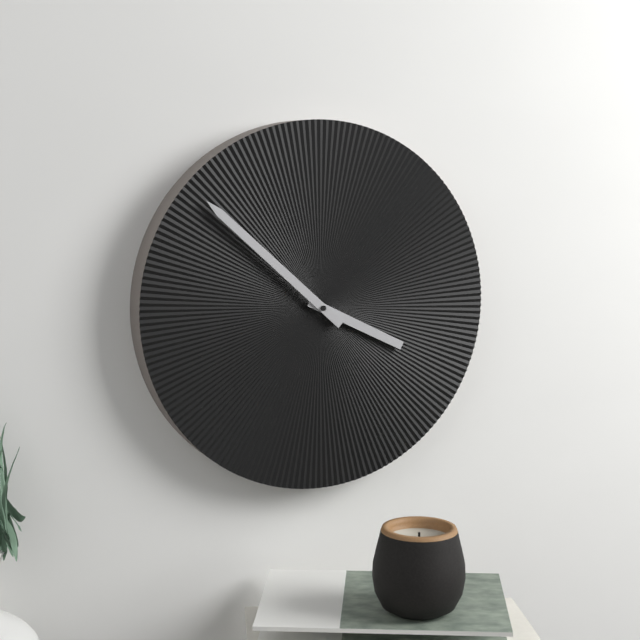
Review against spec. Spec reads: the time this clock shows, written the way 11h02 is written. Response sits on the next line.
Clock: 3h52
